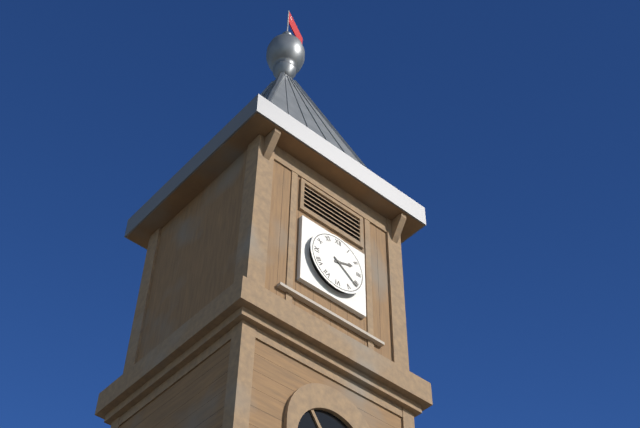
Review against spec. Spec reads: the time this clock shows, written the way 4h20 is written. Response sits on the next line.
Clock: 2h21
